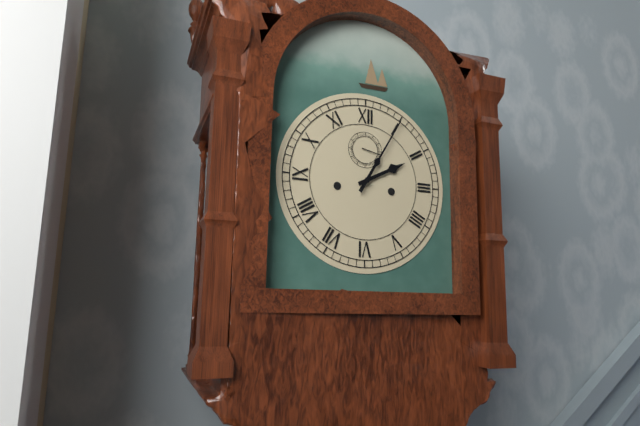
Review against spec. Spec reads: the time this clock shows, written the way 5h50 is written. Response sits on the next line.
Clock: 2h05
